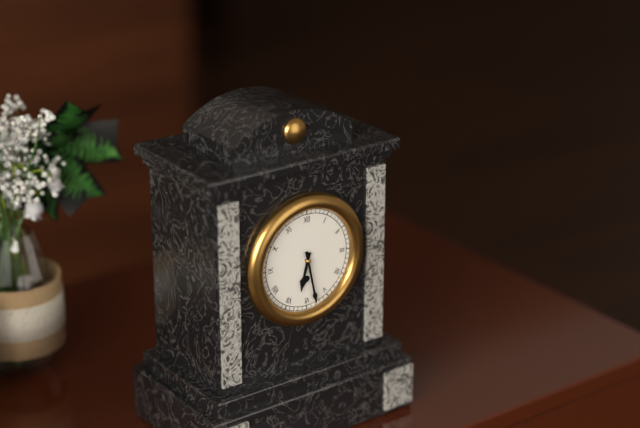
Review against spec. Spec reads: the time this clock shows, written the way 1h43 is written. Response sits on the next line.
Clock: 6h28
